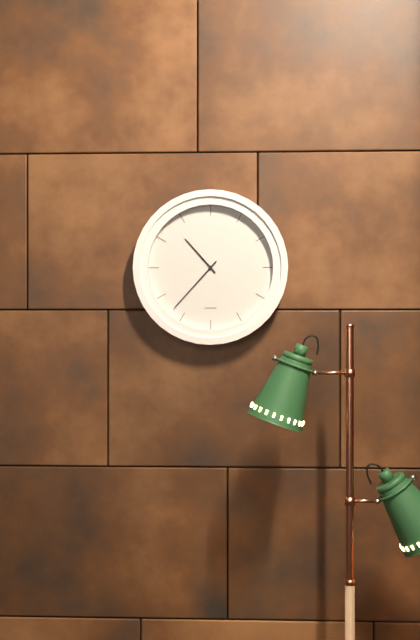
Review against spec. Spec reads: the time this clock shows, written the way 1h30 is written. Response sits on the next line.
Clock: 10h37
